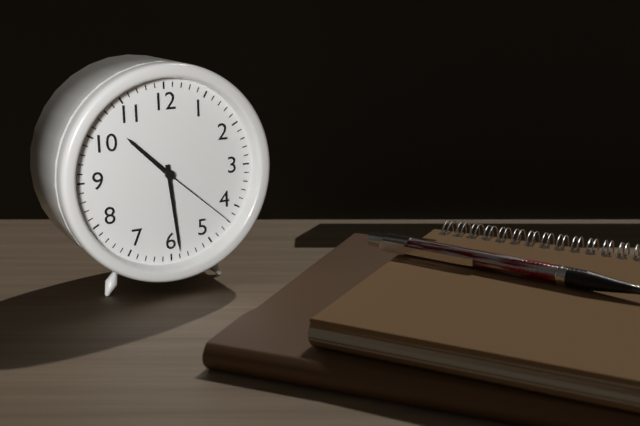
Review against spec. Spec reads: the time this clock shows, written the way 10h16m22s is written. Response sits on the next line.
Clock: 10h29m22s
